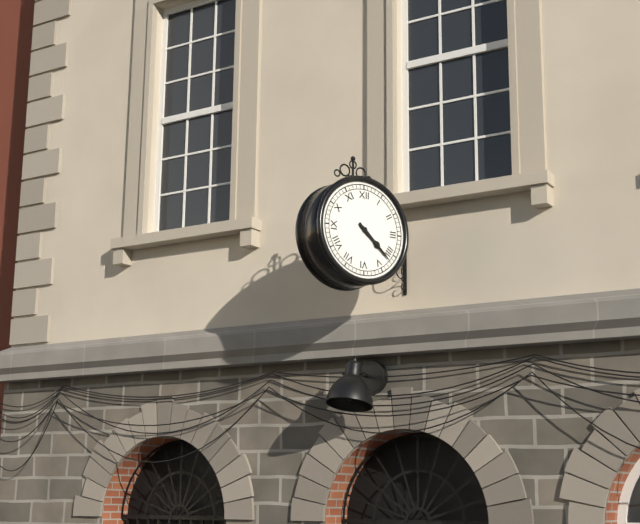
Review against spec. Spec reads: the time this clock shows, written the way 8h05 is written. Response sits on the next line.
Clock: 4h22
